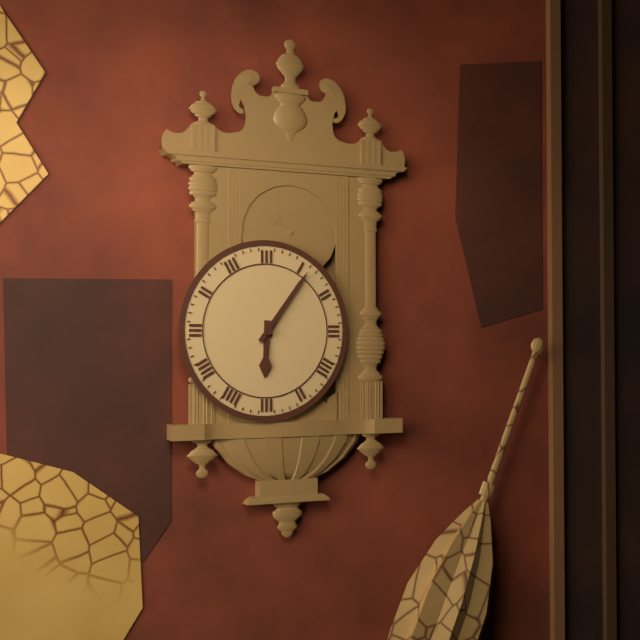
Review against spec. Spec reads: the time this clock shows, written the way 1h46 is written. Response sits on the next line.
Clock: 6h06
